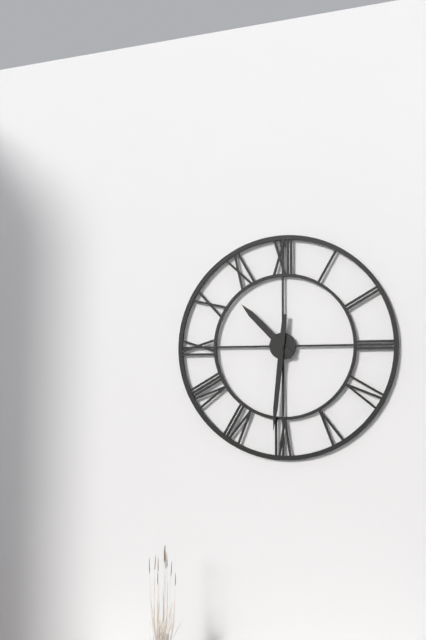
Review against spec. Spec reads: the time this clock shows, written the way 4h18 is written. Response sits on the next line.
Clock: 10h31
